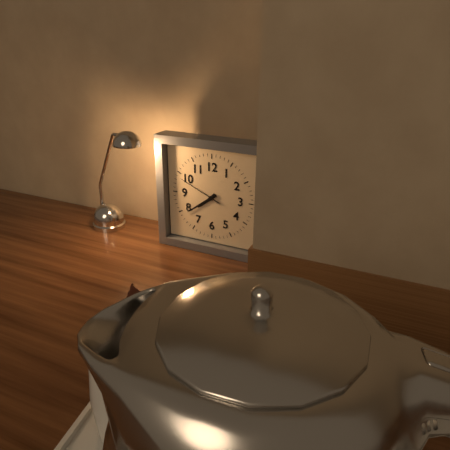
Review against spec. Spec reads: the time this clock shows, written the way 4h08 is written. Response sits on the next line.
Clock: 7h39
